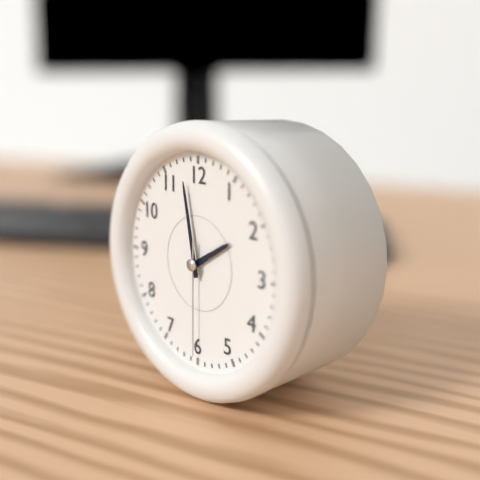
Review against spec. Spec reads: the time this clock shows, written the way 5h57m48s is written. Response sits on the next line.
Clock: 1h58m30s
